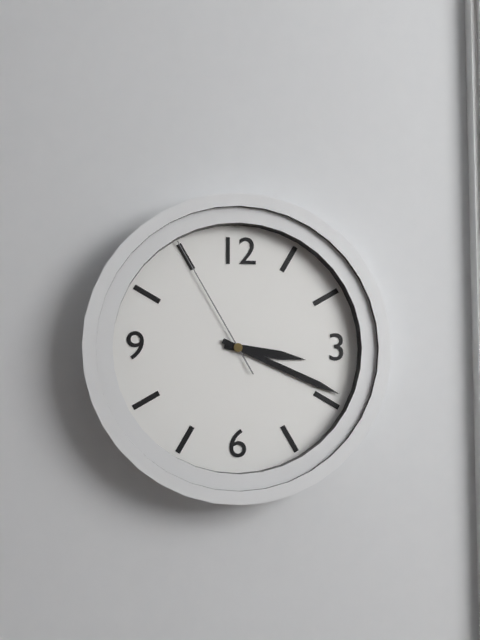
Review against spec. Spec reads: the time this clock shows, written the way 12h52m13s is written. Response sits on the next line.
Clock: 3h19m55s
